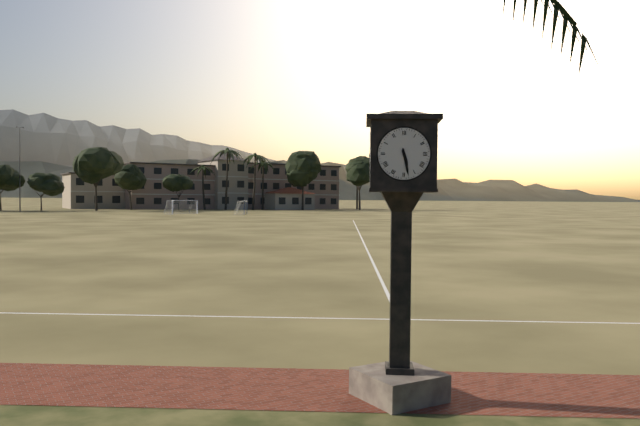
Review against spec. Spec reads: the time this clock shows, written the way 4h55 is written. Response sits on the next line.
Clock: 5h28
